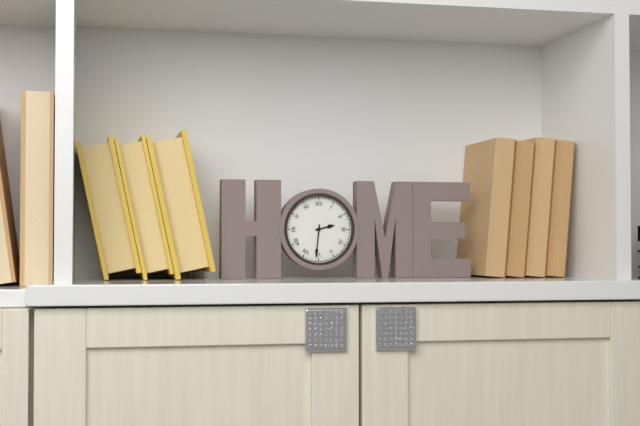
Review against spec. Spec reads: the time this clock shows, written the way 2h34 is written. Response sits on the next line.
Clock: 2h31
